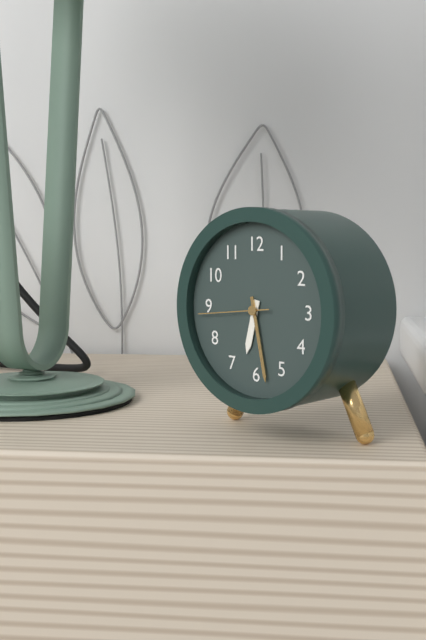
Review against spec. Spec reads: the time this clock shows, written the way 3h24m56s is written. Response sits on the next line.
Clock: 6h28m44s
